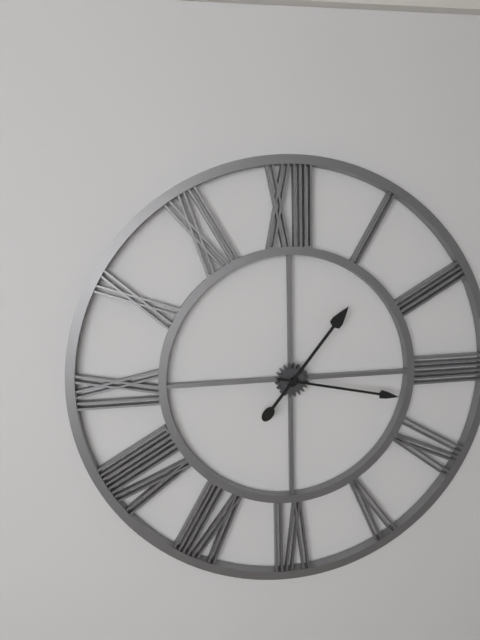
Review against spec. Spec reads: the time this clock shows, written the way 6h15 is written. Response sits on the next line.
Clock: 1h17
